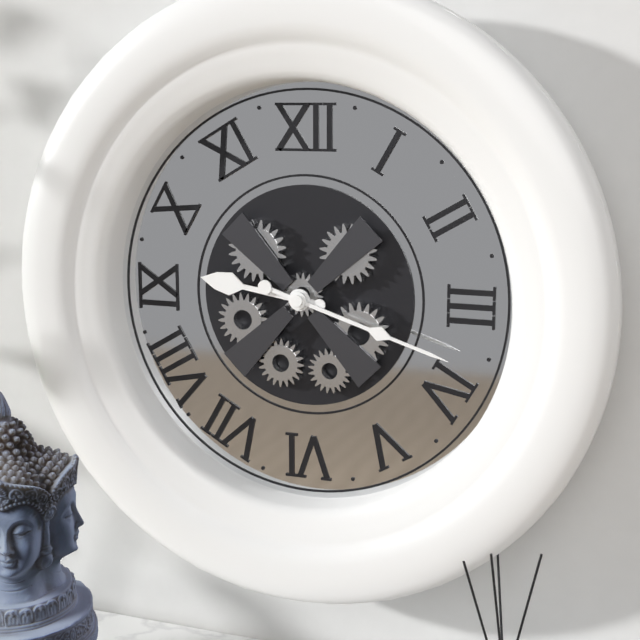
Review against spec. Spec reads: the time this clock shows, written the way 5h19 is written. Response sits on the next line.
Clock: 9h18
